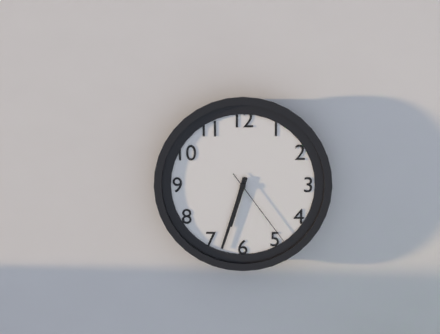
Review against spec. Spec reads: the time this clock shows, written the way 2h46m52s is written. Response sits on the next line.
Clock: 6h33m24s
